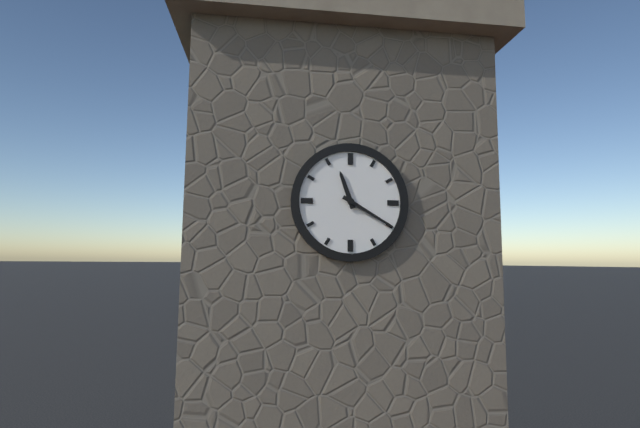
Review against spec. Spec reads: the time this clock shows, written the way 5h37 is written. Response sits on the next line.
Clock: 11h20
